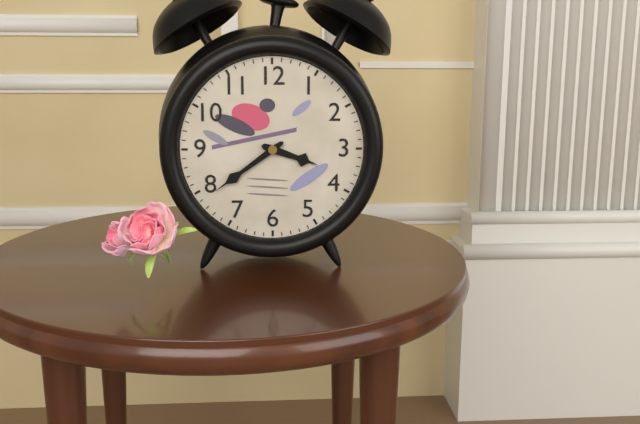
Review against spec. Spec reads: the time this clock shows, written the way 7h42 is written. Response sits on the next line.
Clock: 3h39
